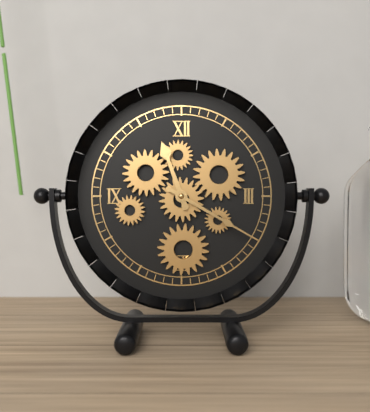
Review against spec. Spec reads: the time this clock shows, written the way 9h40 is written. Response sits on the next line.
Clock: 11h20
